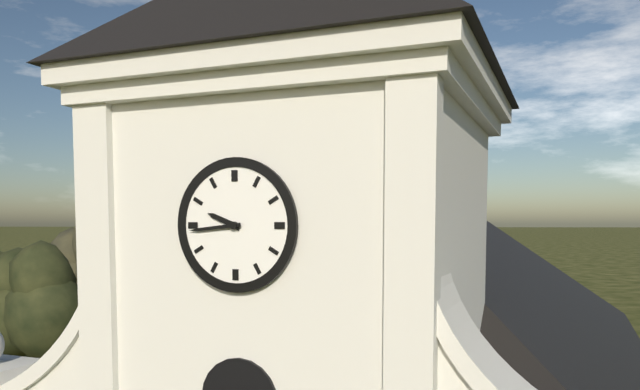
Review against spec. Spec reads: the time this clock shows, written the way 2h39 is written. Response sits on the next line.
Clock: 9h44
